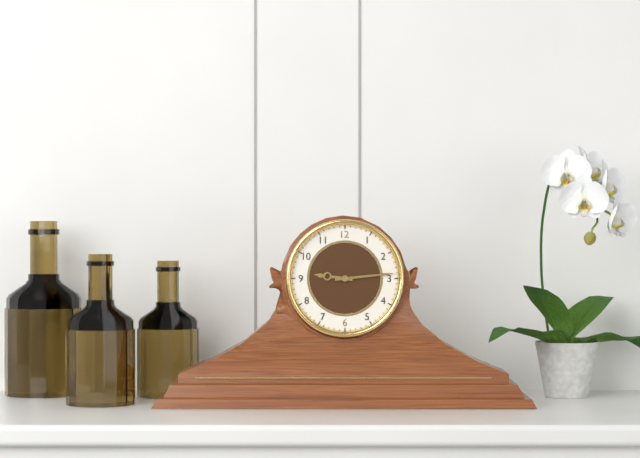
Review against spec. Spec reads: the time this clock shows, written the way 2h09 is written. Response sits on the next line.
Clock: 9h14
